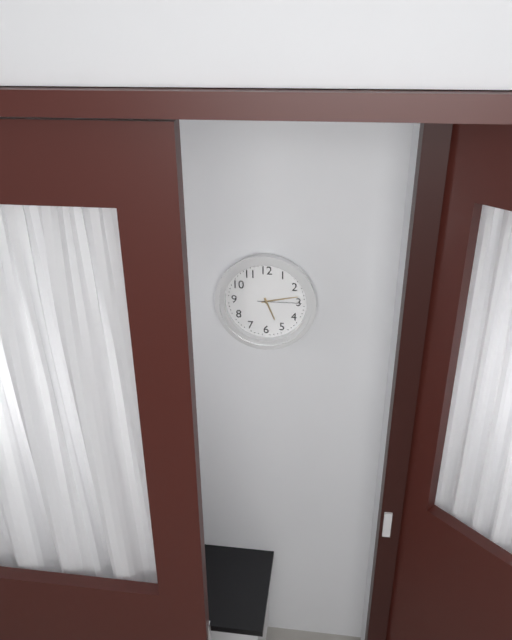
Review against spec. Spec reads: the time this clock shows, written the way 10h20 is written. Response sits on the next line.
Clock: 5h13
